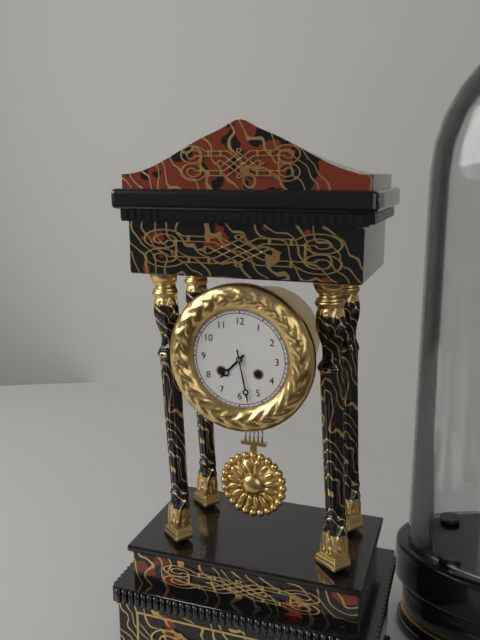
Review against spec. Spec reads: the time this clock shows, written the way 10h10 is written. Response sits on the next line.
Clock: 7h28
